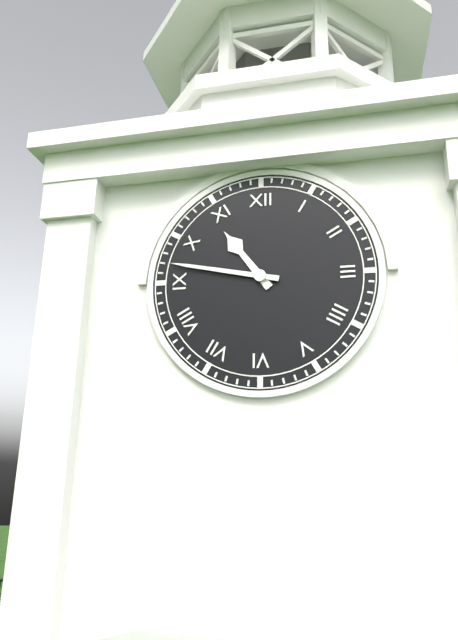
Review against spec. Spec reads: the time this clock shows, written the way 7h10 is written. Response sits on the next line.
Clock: 10h47
